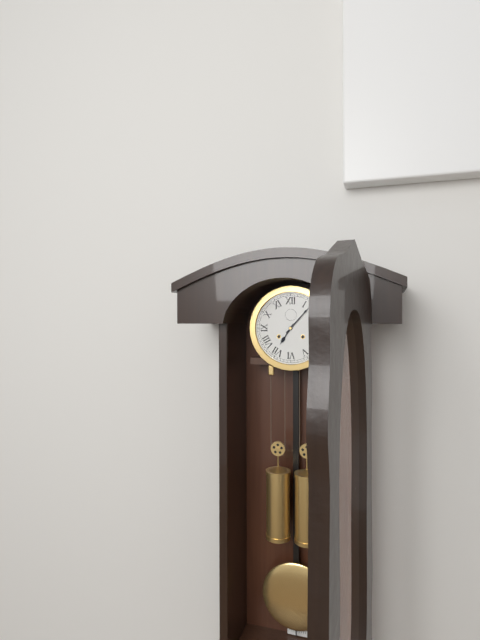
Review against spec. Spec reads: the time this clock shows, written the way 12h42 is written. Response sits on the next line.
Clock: 7h07
